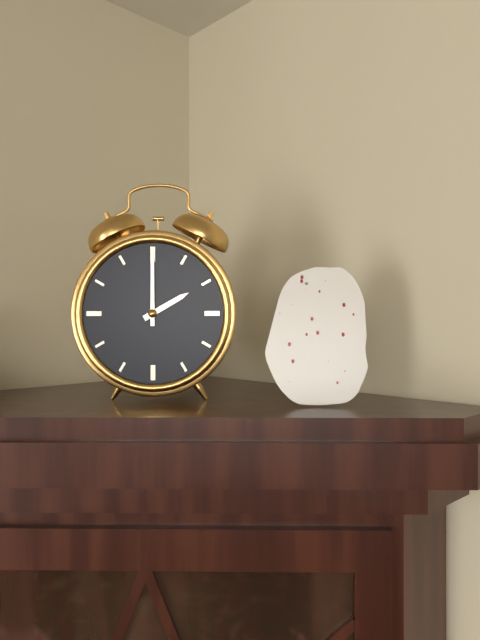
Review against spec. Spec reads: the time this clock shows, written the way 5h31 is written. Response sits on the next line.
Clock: 2h00
